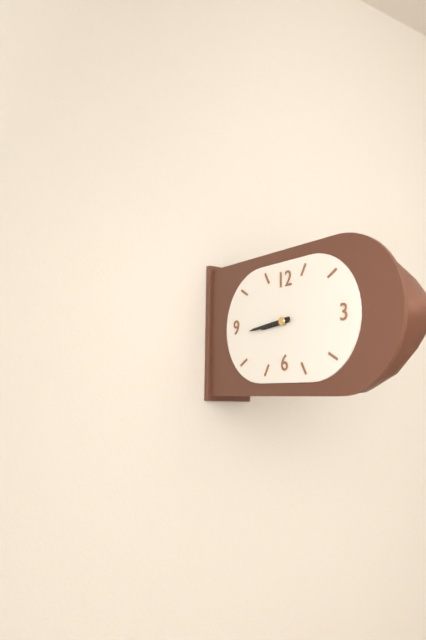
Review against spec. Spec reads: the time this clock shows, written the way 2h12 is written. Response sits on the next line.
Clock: 8h44
